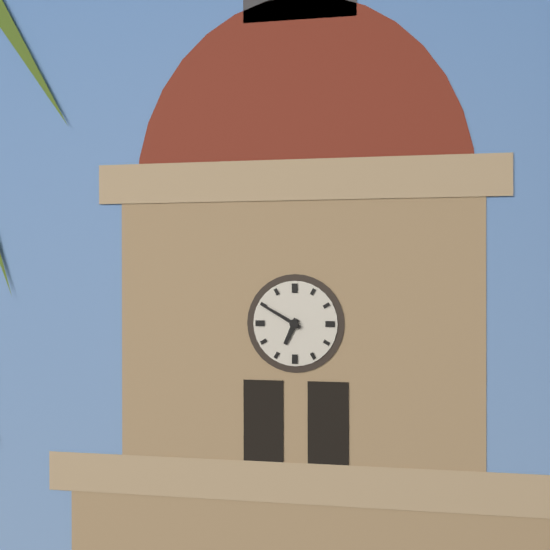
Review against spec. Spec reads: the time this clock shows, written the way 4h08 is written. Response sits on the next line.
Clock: 6h50
